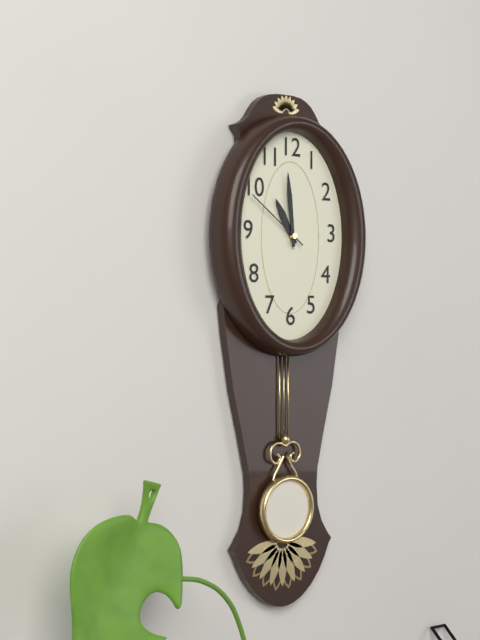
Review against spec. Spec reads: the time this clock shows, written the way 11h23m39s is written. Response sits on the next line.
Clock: 10h59m51s
